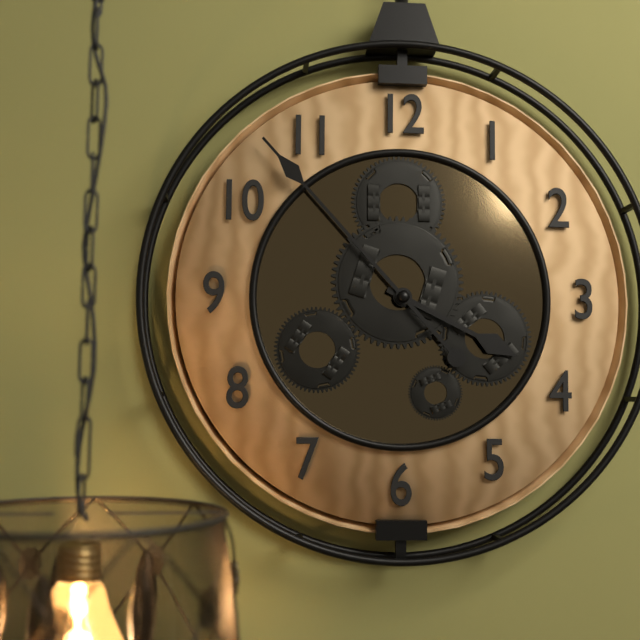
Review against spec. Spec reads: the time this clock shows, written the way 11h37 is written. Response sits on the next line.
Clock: 3h53
